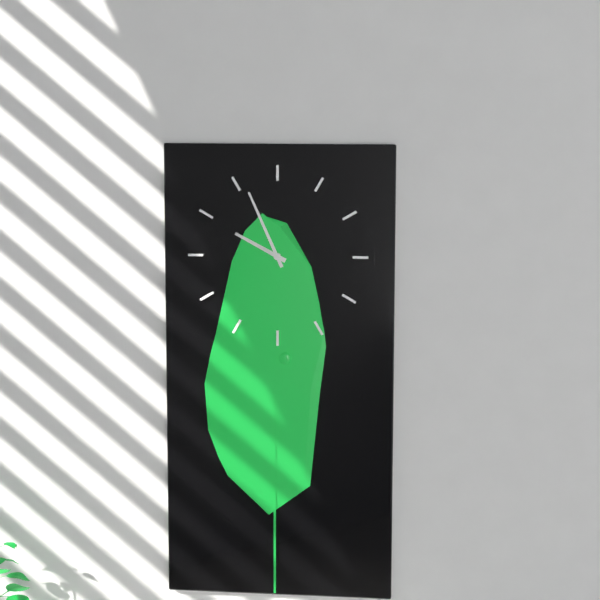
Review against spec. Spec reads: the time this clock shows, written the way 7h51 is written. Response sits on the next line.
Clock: 9h56
